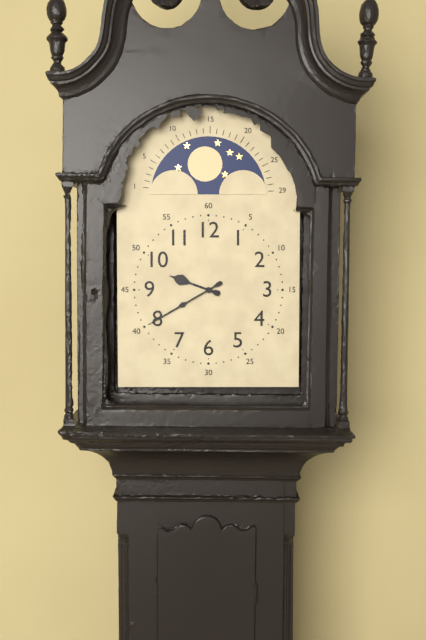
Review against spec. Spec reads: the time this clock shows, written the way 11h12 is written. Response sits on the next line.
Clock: 9h40
